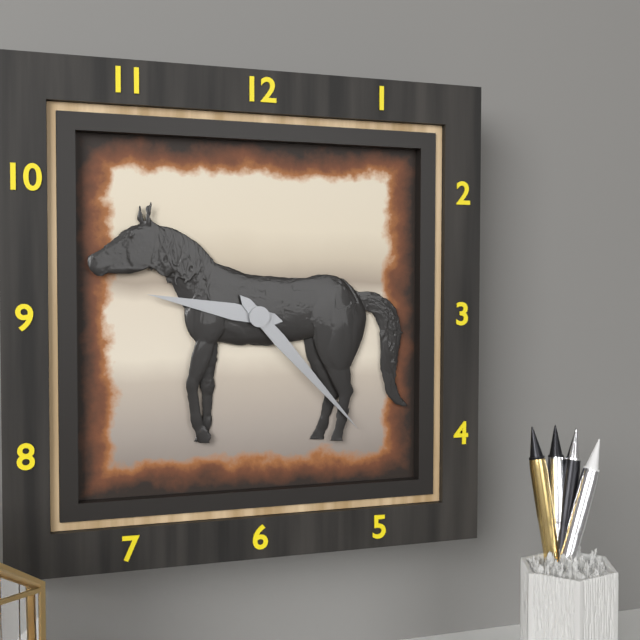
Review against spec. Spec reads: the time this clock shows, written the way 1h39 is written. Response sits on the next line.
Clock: 9h23
